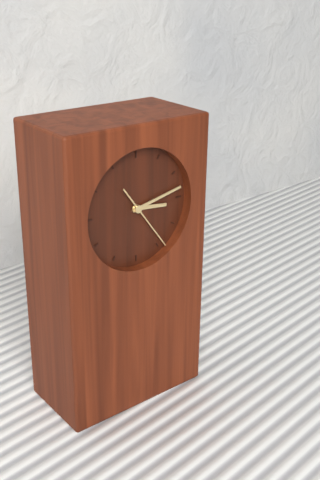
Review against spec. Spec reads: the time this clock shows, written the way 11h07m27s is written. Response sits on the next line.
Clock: 3h13m24s
